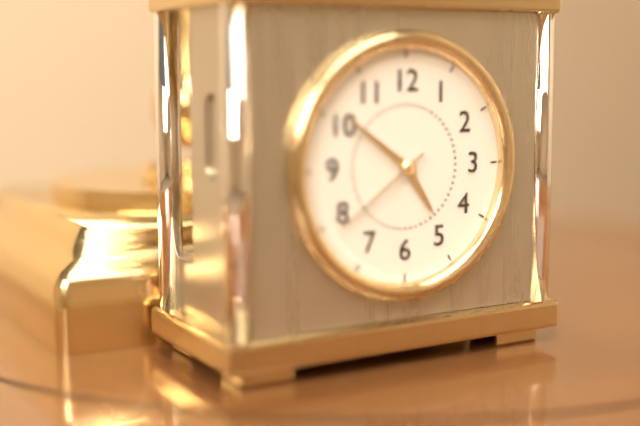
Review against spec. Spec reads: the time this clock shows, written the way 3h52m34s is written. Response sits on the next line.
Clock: 4h51m39s
